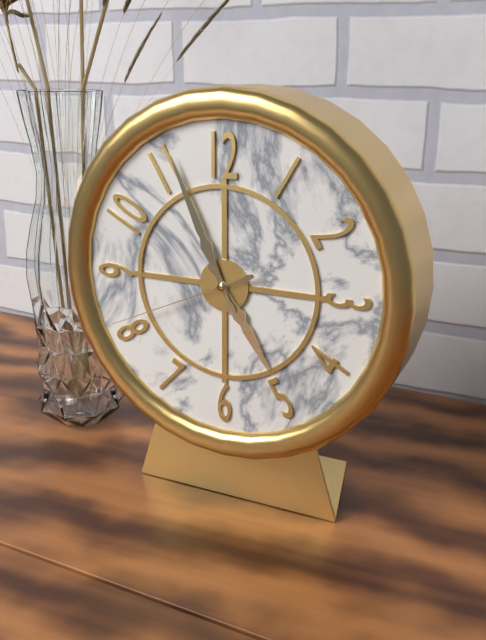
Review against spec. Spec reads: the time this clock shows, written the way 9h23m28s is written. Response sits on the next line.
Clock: 4h56m41s
